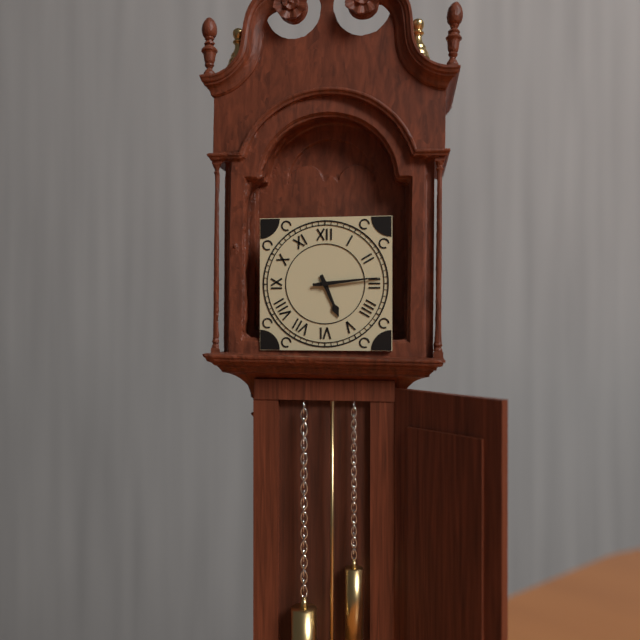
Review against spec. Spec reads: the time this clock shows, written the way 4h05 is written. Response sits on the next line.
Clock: 5h14
